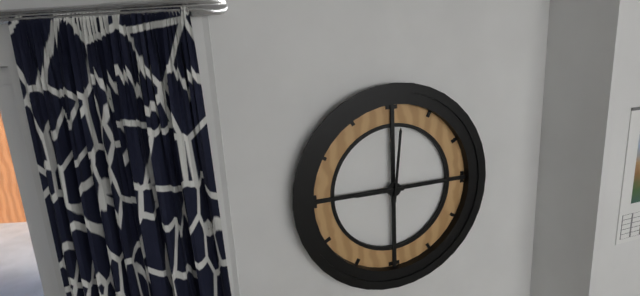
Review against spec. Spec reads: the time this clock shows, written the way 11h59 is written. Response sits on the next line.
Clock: 9h01
